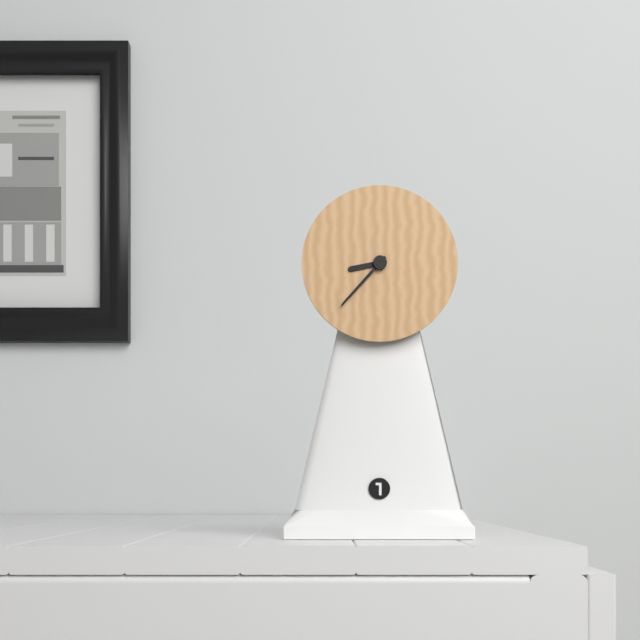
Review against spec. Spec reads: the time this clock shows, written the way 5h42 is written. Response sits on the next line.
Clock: 8h37
